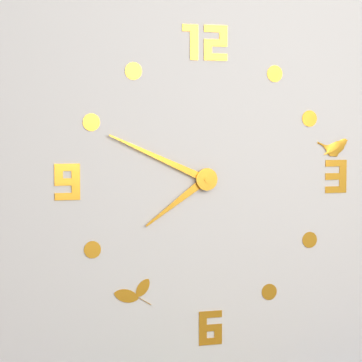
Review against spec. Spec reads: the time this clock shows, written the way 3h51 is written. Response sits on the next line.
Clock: 7h49
